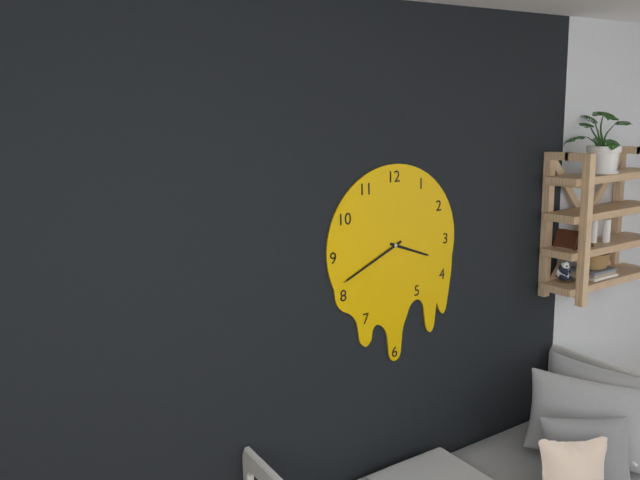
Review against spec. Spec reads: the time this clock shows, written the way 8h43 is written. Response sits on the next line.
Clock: 3h41
